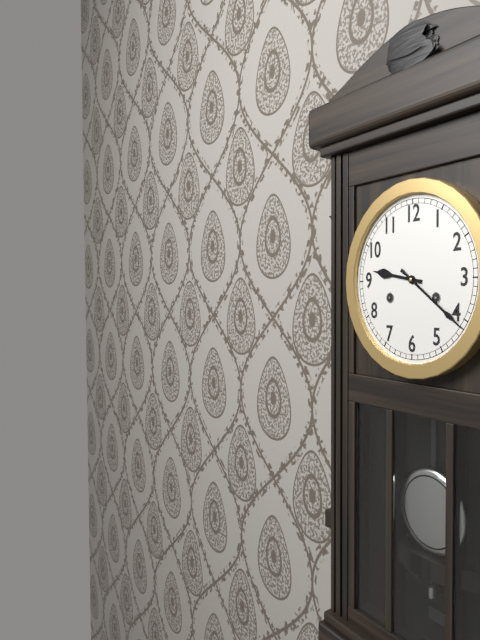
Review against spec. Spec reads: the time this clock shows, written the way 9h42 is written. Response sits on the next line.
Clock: 9h21
